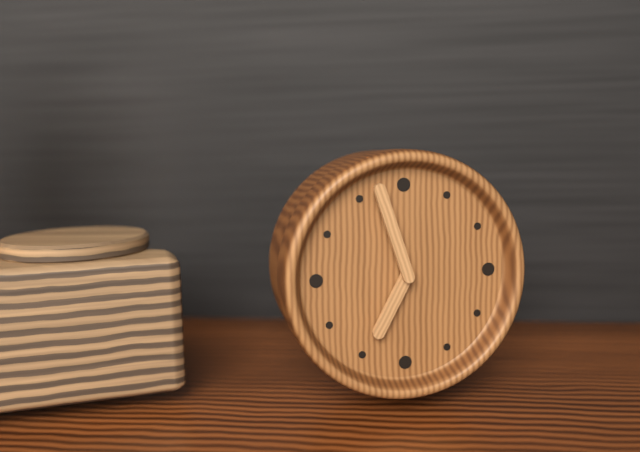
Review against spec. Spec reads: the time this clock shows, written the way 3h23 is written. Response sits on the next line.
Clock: 6h57
